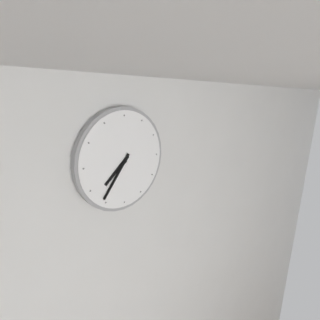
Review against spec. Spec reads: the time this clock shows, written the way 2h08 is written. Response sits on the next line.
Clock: 7h36
